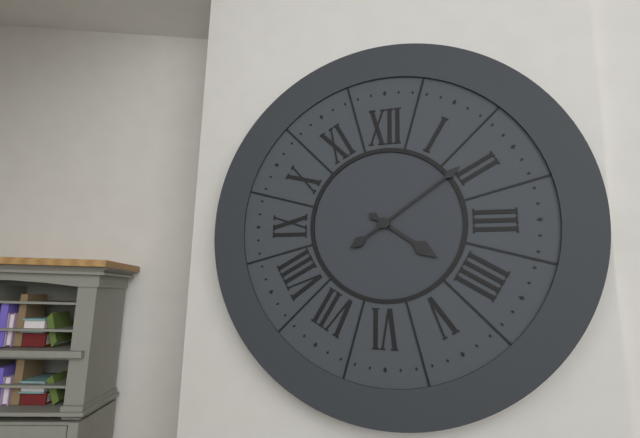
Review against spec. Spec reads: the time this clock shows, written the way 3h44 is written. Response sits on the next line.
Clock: 4h09
